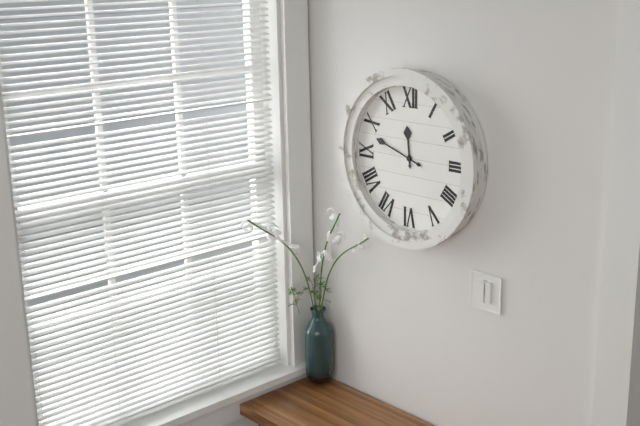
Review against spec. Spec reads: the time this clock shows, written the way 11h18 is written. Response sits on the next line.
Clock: 11h48
